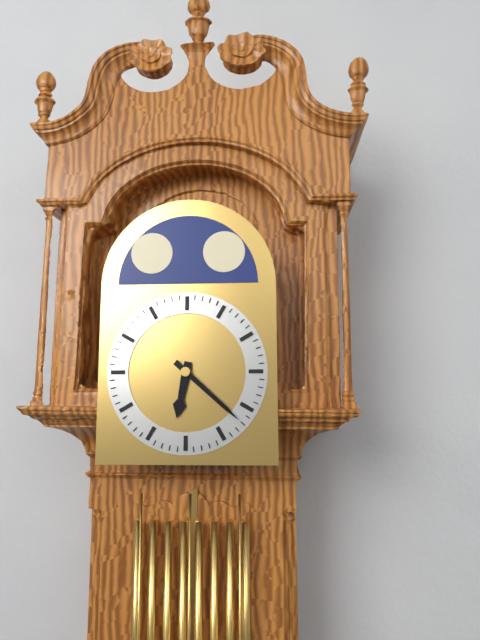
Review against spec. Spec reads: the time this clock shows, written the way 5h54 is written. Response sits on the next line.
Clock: 6h22
